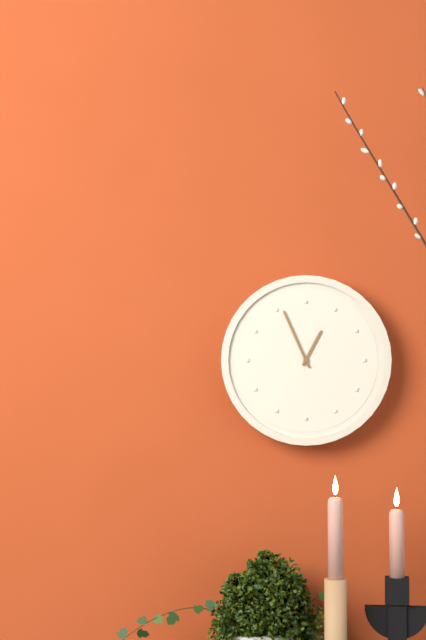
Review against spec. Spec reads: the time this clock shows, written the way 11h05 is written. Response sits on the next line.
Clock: 12h56
